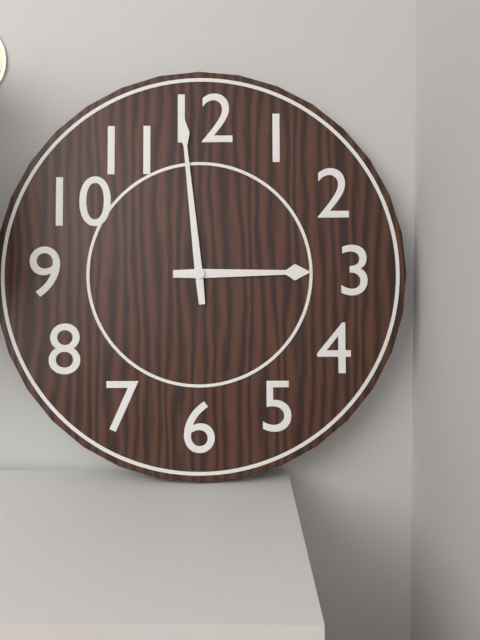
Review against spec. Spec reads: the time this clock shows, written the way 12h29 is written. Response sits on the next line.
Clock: 2h59
